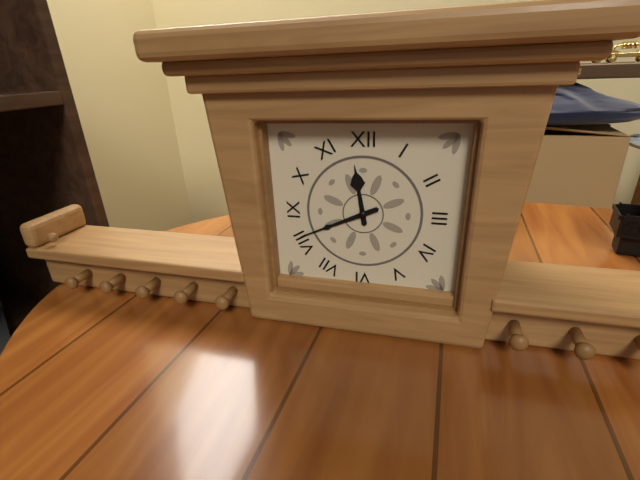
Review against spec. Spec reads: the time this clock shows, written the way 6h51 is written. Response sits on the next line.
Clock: 11h41
